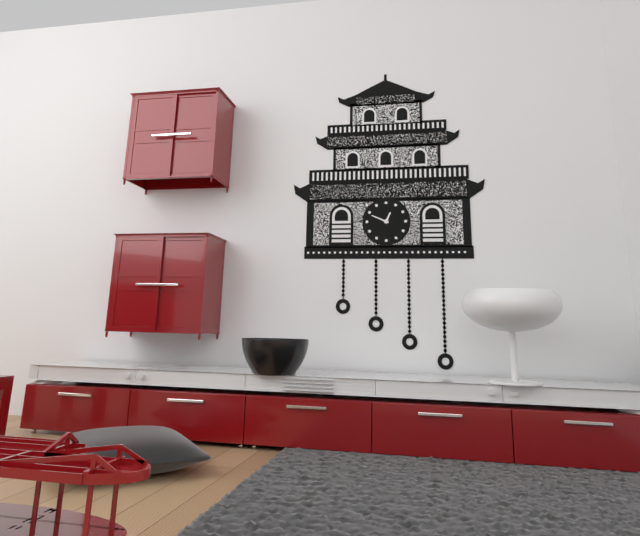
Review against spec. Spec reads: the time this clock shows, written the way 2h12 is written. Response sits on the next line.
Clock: 12h49
